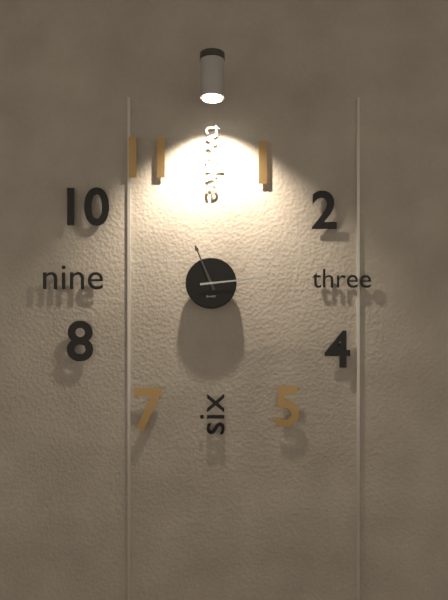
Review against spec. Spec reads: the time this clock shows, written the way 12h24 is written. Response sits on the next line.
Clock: 11h14
